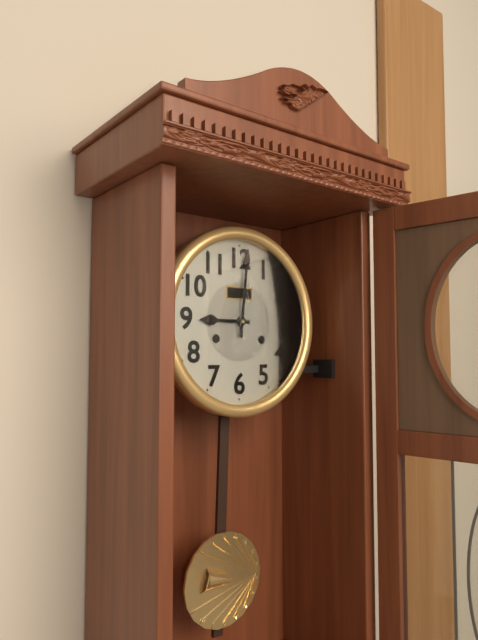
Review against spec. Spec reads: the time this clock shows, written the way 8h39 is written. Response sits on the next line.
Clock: 9h01
